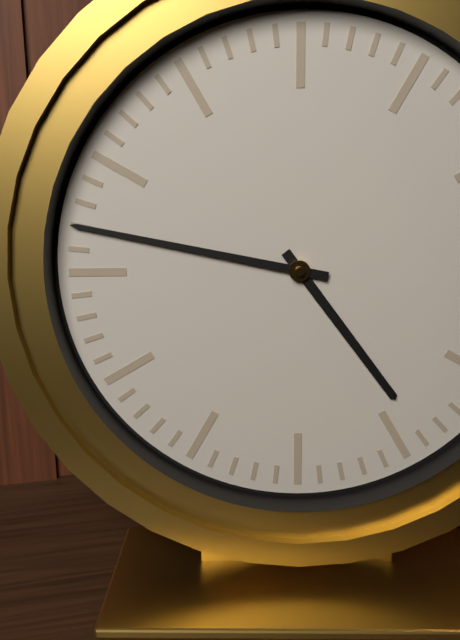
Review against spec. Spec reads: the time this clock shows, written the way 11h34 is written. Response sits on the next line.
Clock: 4h47
